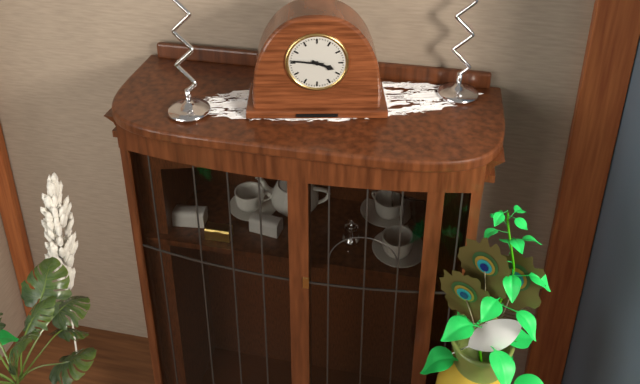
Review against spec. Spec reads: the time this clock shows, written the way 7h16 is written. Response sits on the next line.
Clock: 3h46
